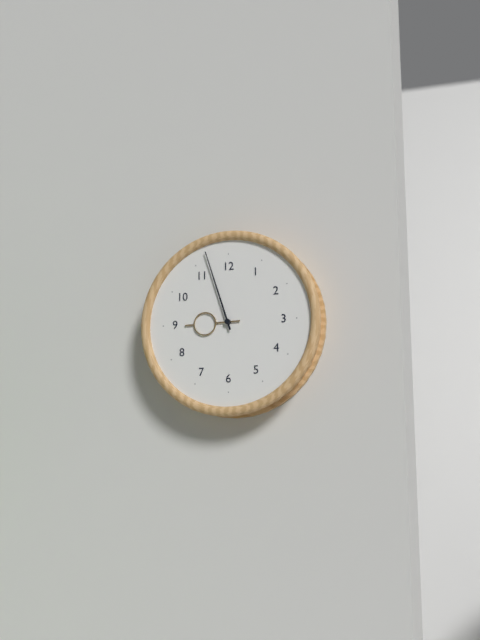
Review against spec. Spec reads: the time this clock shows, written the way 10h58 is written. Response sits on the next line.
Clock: 8h57
